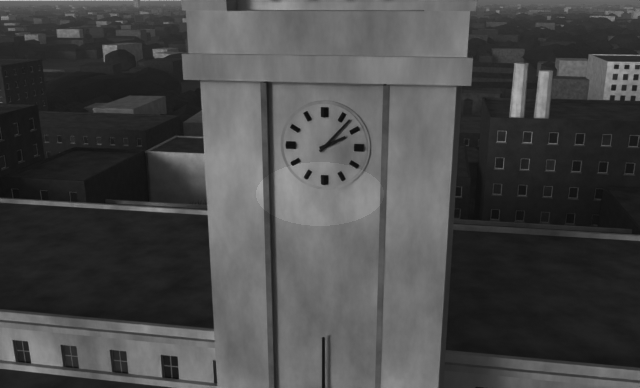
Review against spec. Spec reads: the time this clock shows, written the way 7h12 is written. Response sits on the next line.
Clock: 2h07
